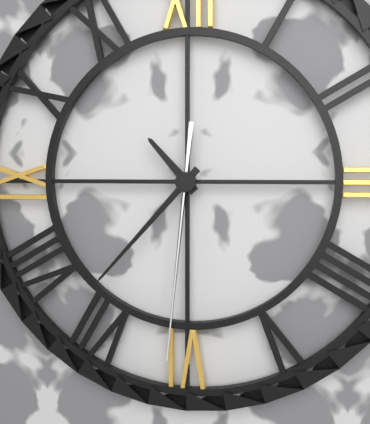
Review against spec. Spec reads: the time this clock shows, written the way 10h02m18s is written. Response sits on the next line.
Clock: 10h37m31s
